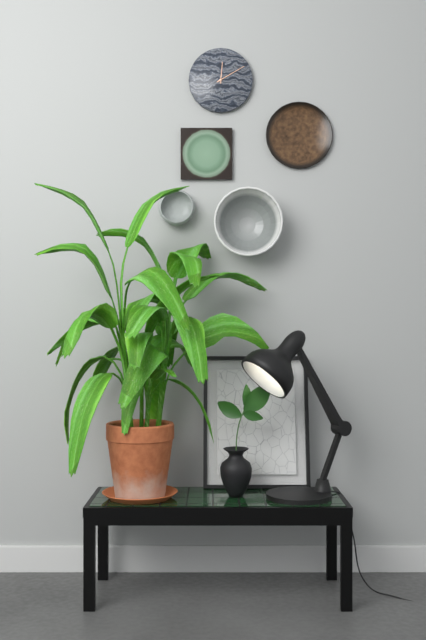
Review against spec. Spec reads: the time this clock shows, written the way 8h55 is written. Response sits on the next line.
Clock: 12h10
